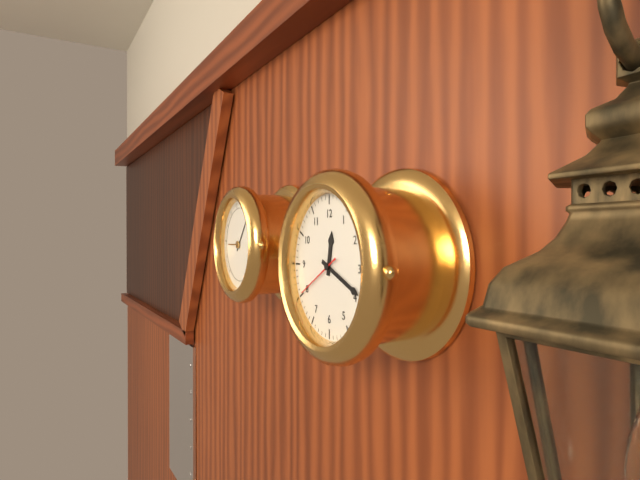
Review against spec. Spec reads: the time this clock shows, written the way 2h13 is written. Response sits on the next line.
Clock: 12h19
